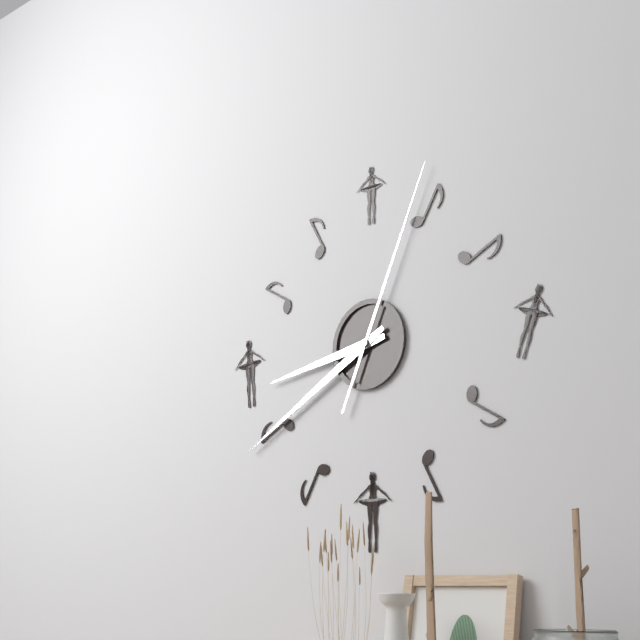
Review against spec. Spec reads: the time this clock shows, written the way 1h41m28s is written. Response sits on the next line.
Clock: 8h40m04s
